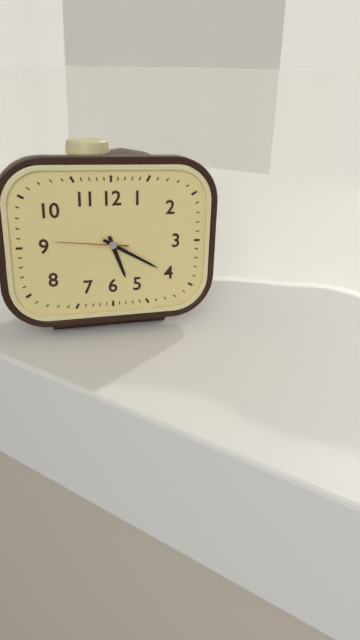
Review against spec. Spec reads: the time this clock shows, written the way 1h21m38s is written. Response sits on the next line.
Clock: 5h20m46s
